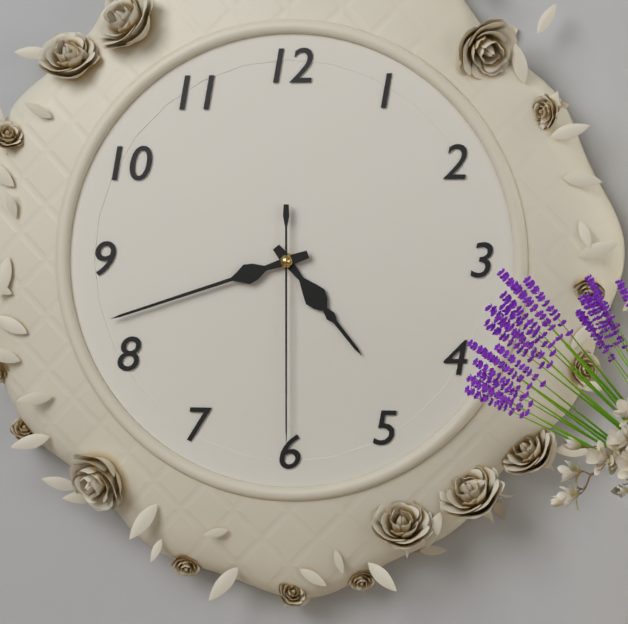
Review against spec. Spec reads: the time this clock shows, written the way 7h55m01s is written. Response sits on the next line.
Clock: 4h42m30s
